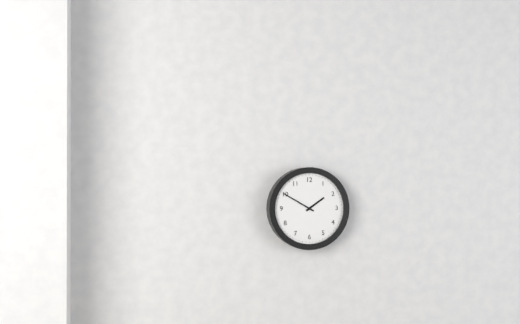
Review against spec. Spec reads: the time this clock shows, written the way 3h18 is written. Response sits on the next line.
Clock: 1h50
